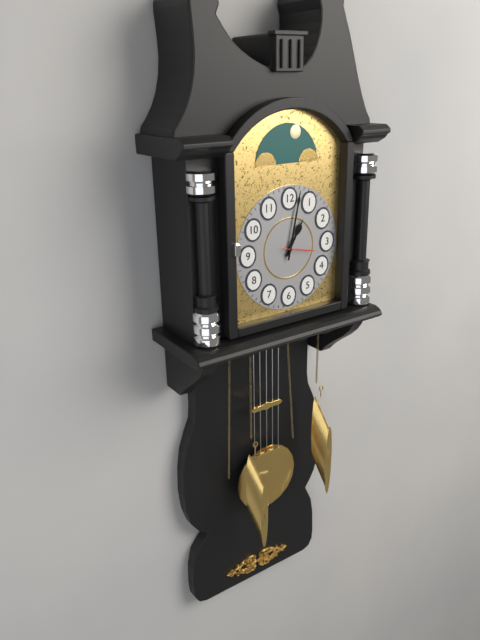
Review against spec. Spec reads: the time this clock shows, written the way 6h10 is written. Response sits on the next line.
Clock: 1h02
